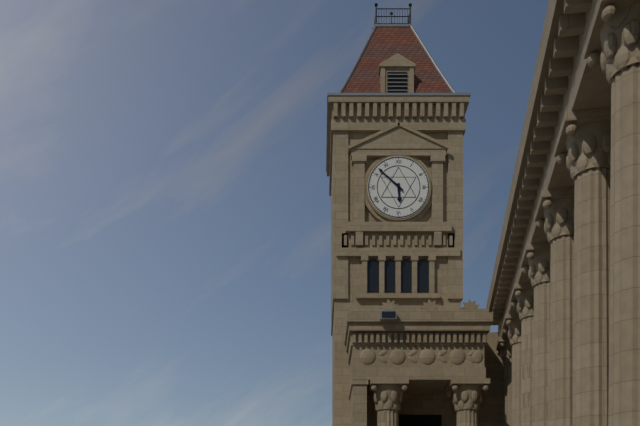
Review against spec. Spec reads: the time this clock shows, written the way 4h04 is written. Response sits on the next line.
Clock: 5h52
